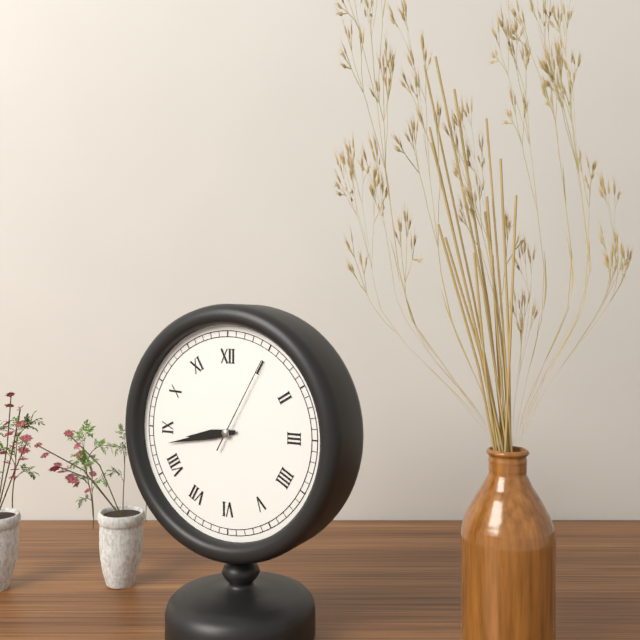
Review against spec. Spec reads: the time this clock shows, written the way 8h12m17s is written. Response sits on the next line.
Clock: 8h43m05s
